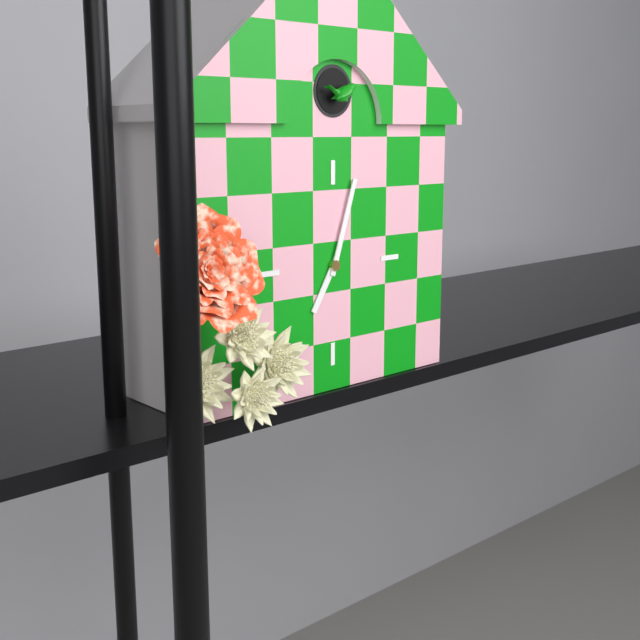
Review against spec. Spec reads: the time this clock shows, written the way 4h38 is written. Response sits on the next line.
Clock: 7h03
